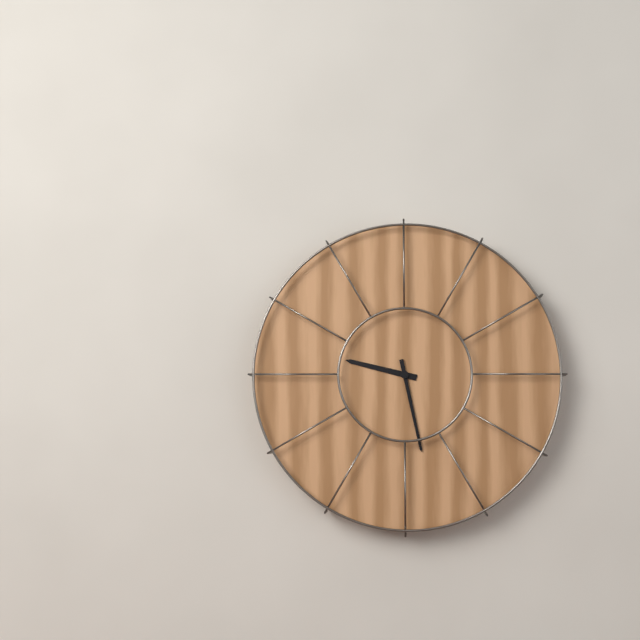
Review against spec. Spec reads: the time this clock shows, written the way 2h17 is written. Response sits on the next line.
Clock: 9h28
